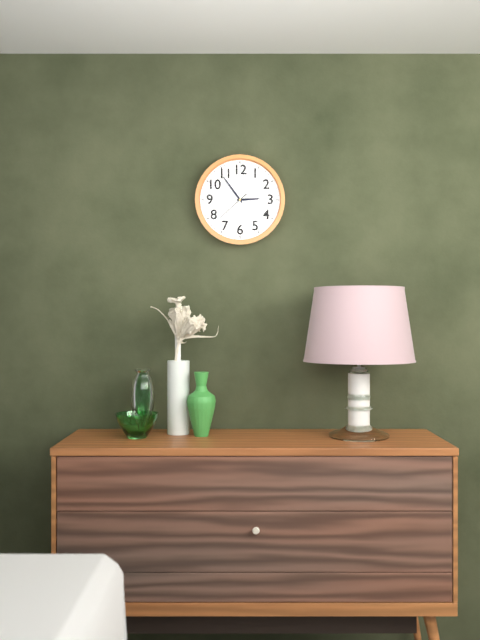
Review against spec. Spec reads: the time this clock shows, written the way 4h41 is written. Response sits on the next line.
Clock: 2h54
